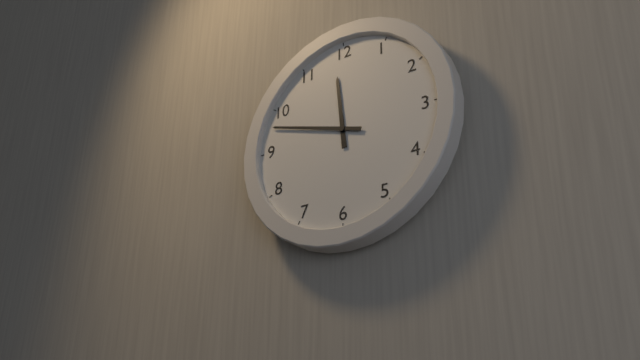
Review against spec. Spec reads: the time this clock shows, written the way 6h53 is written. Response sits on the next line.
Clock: 11h48
